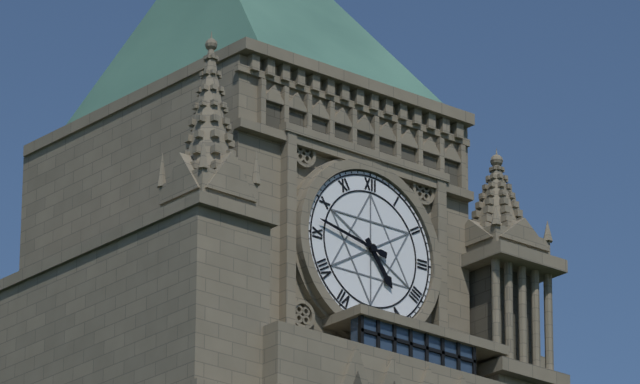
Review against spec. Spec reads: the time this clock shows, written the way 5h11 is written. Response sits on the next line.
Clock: 4h47
